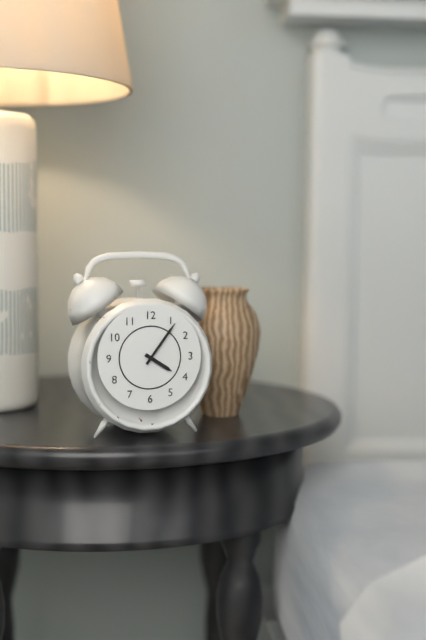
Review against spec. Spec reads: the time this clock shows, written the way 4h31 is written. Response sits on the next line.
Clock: 4h06
